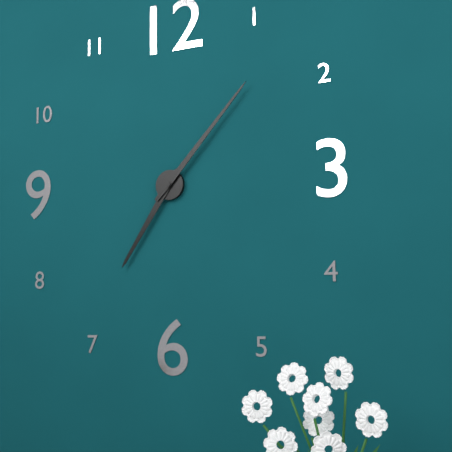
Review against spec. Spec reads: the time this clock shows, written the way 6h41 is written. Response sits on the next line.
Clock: 7h07
